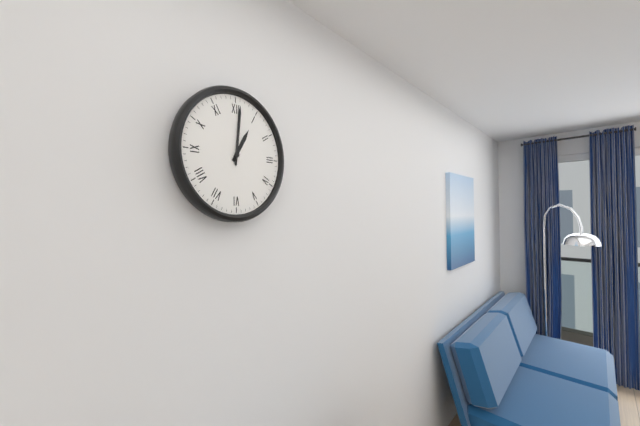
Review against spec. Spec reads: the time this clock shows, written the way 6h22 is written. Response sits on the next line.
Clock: 1h01
